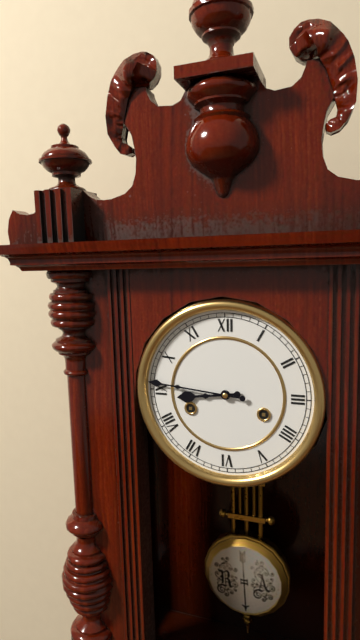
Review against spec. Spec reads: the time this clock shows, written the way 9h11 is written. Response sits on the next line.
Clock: 8h46
